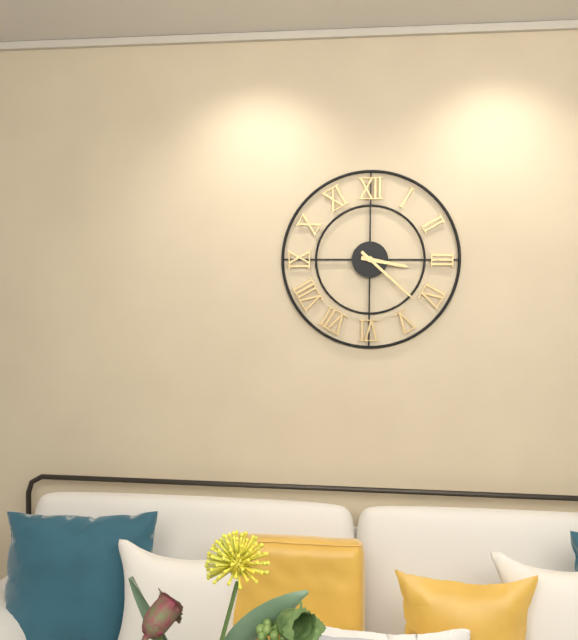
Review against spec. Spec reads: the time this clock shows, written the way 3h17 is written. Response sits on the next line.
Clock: 3h22
